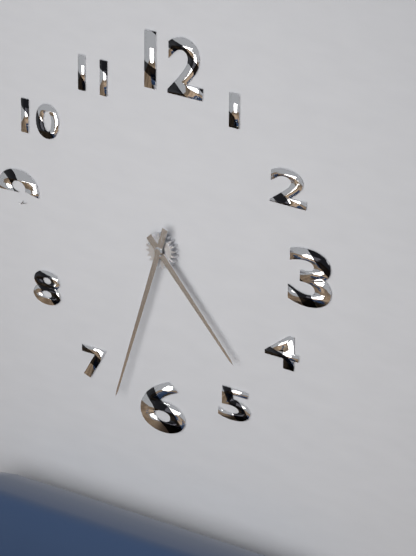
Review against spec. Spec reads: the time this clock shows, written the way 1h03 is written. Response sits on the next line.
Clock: 4h33
